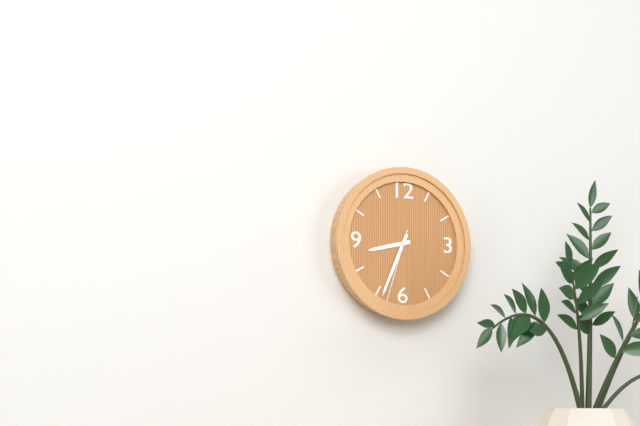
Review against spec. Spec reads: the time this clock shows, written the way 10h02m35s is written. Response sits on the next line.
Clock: 8h34m33s
